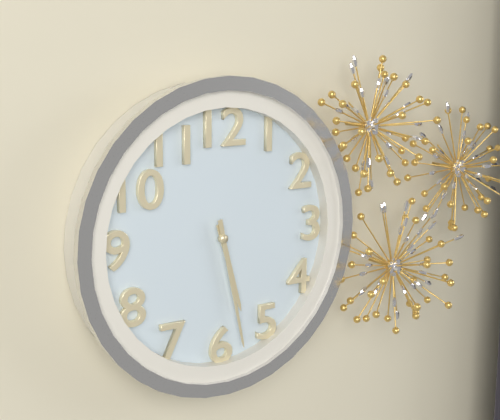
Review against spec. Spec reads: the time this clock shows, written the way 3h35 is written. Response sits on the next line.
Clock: 5h28
